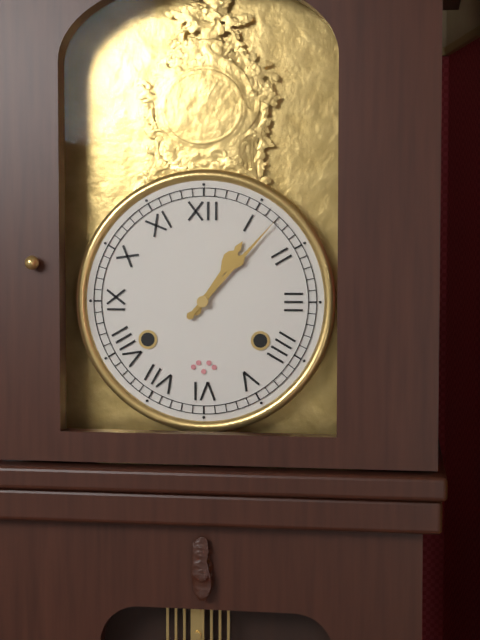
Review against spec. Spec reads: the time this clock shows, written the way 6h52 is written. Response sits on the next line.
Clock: 1h07
